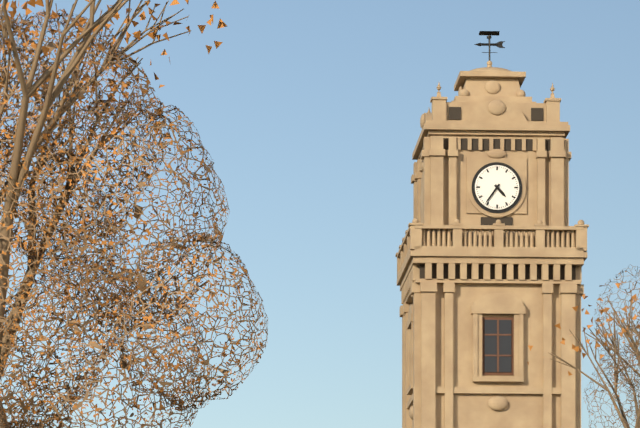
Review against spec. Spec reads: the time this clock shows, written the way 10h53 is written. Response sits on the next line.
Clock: 4h36
